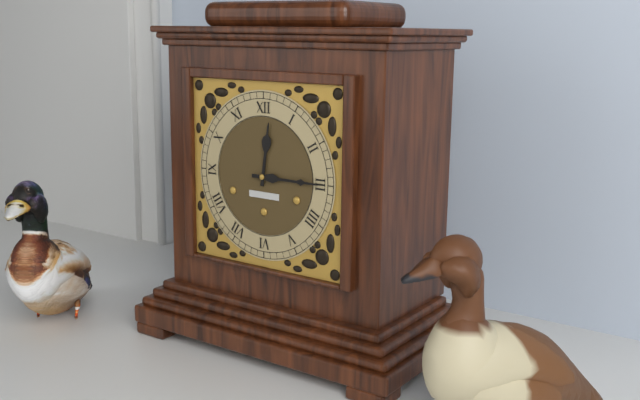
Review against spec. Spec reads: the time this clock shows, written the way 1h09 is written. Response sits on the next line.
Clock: 12h15
